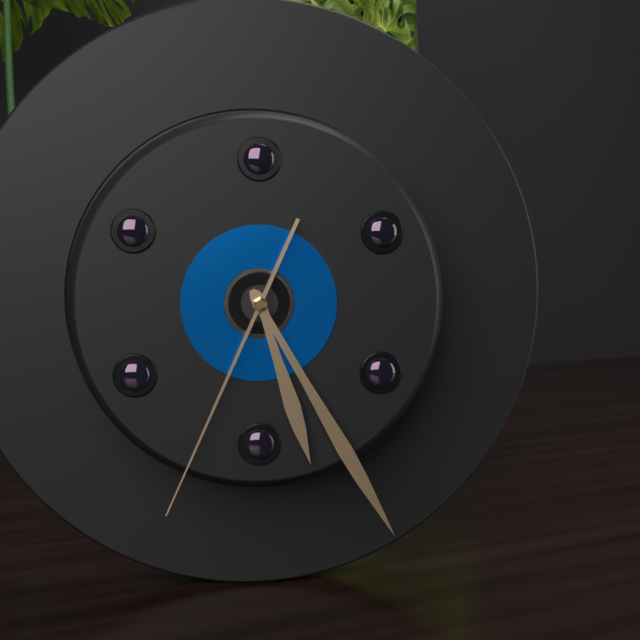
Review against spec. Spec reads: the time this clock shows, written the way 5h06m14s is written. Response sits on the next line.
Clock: 5h25m34s
